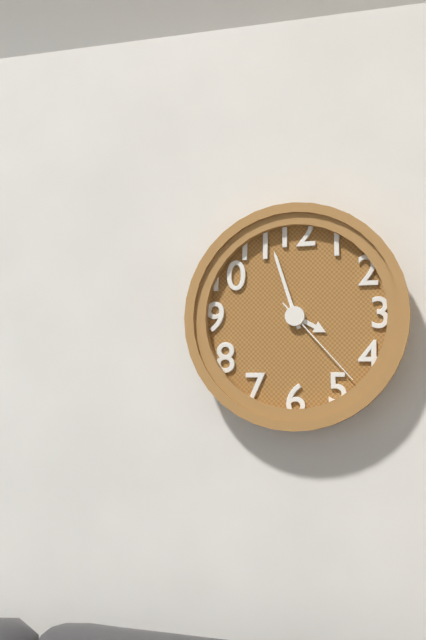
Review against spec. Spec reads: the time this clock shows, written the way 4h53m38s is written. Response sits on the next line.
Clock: 3h57m23s
